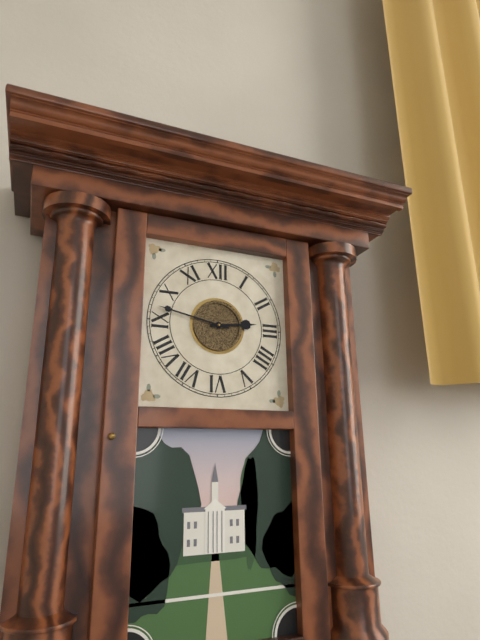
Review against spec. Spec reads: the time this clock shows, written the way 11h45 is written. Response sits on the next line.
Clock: 2h47
